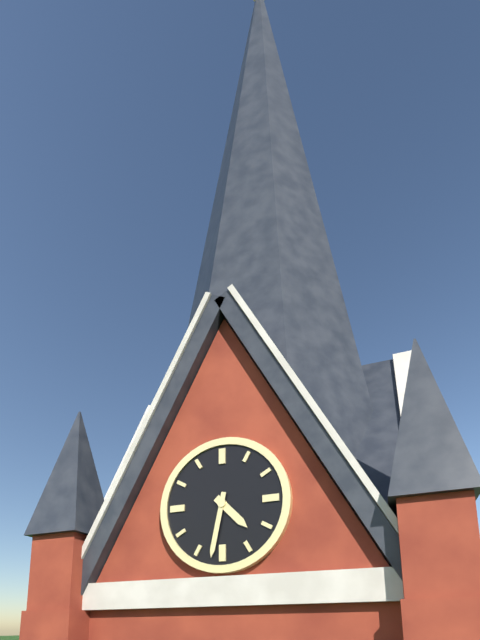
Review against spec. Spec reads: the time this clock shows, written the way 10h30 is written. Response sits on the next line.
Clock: 4h32
